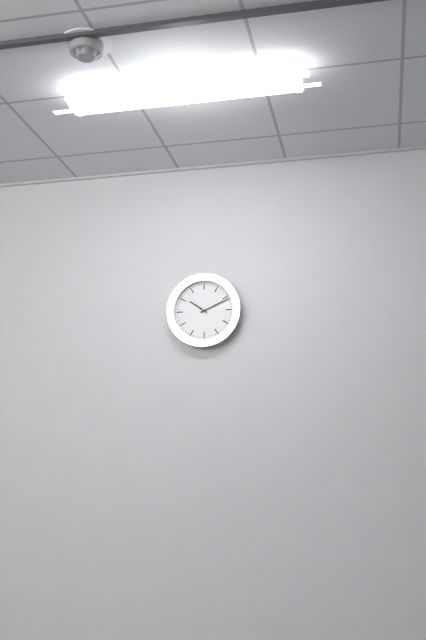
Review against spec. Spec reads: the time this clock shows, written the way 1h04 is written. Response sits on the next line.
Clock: 10h11
